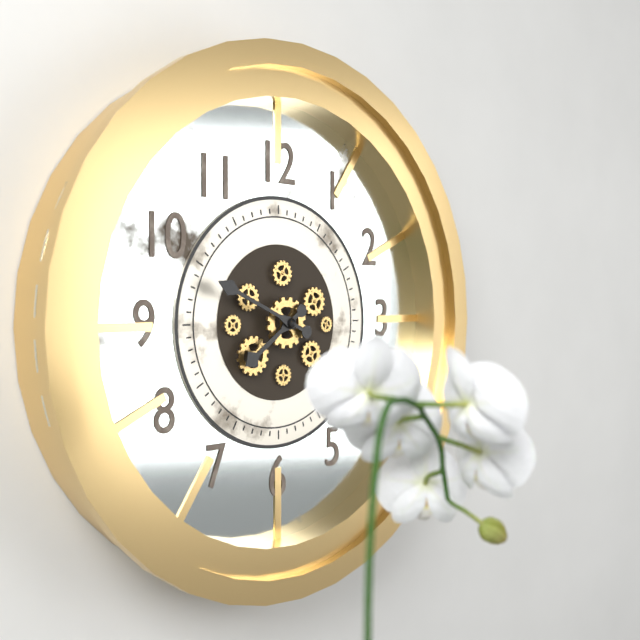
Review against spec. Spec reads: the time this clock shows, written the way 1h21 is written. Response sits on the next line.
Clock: 7h49
